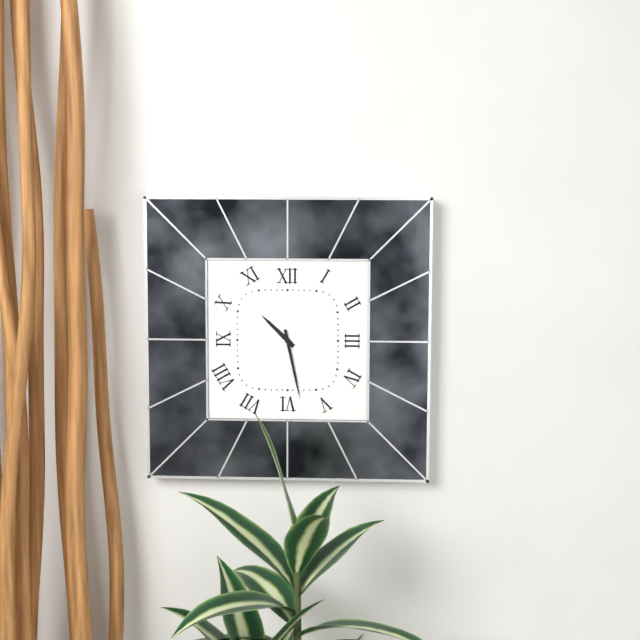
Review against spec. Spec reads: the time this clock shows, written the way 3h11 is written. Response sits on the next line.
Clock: 10h28
